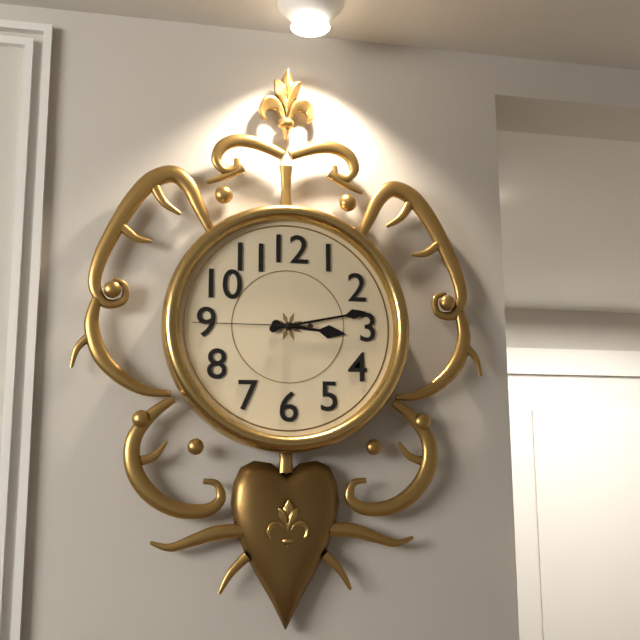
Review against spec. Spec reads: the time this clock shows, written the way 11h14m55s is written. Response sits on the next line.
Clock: 3h13m45s
